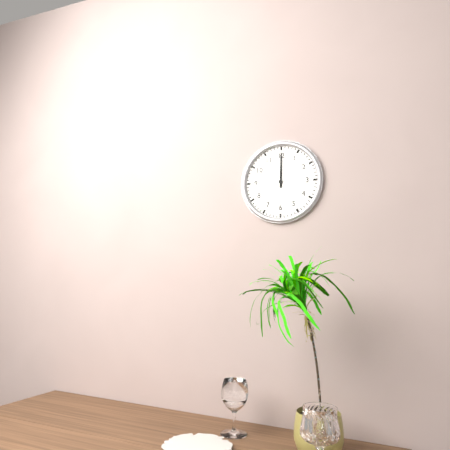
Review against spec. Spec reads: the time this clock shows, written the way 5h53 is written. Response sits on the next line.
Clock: 12h00
